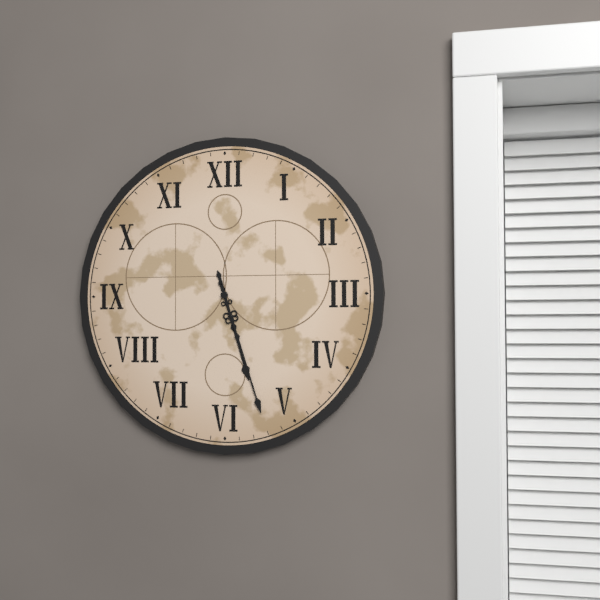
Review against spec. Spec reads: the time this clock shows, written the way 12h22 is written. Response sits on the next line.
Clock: 5h27
